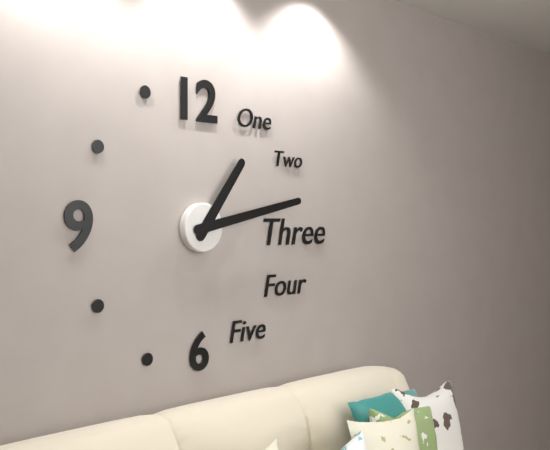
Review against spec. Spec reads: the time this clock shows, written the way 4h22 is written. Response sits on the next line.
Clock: 1h13
